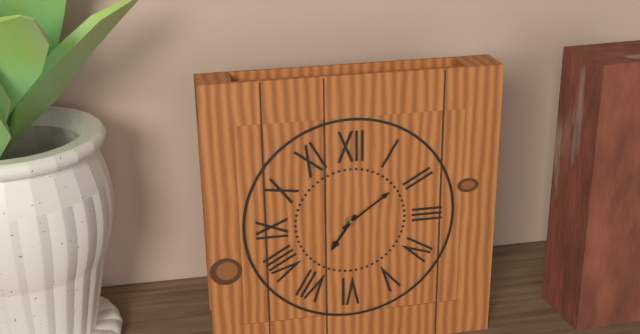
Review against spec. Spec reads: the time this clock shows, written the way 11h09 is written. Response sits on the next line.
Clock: 7h09
